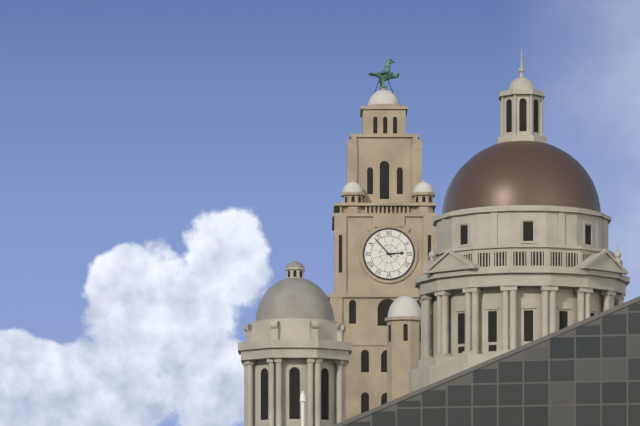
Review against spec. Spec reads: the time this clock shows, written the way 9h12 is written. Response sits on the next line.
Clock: 2h53
